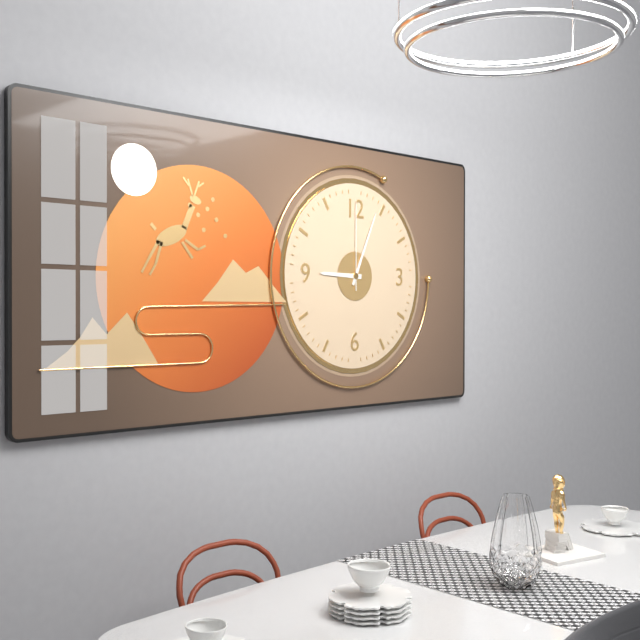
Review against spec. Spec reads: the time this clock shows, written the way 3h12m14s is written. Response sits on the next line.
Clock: 9h04m00s
